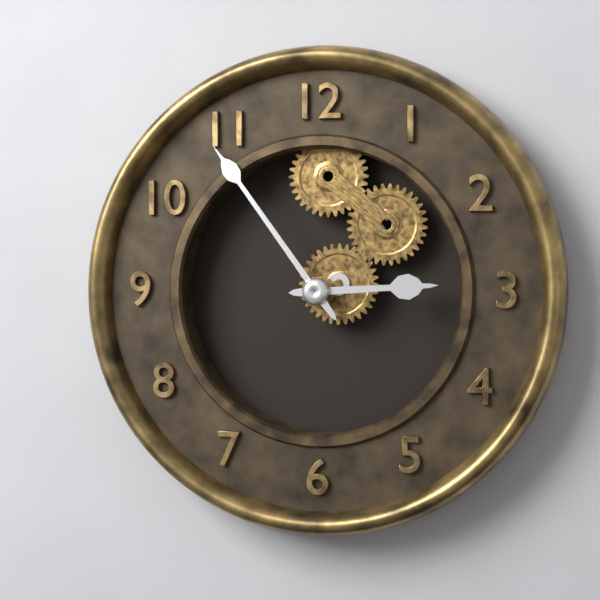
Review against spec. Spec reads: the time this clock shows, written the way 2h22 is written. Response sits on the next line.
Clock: 2h54
